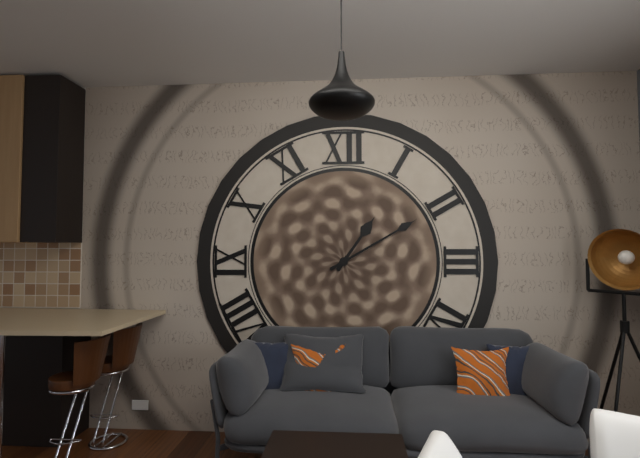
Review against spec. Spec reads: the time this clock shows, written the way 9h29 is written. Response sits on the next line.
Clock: 1h10
